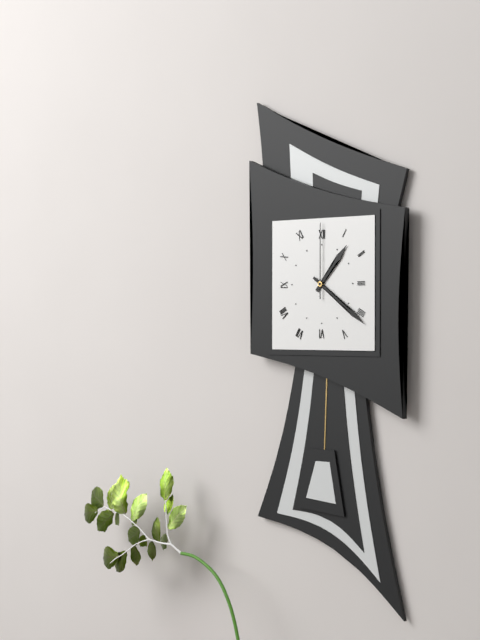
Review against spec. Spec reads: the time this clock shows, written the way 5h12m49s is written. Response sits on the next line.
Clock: 1h21m00s
